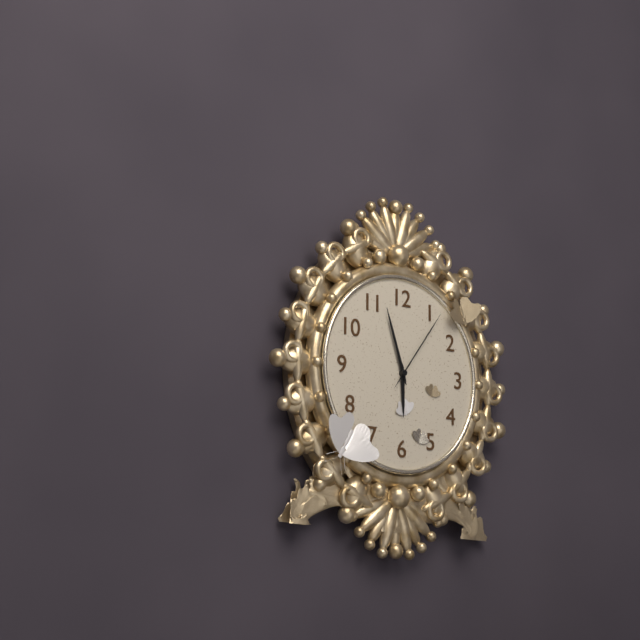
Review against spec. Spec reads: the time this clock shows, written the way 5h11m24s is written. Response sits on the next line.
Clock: 5h57m06s
